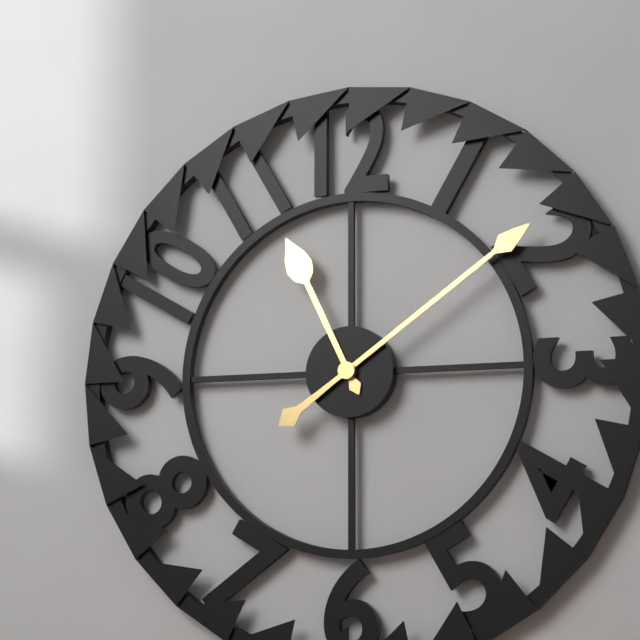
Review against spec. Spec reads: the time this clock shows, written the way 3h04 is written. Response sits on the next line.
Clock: 11h09
